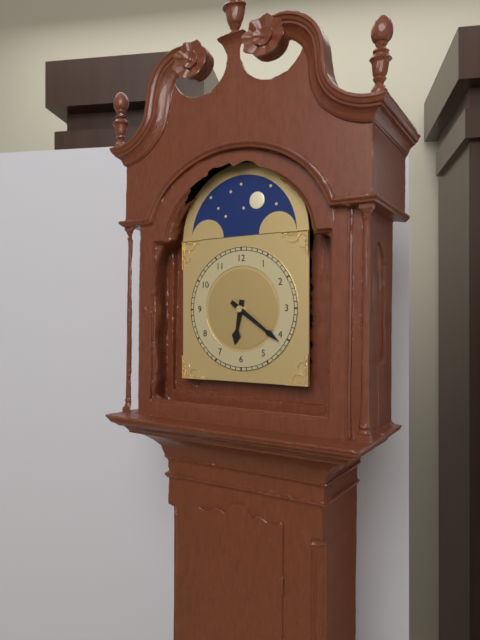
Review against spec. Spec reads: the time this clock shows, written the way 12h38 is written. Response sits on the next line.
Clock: 6h21
